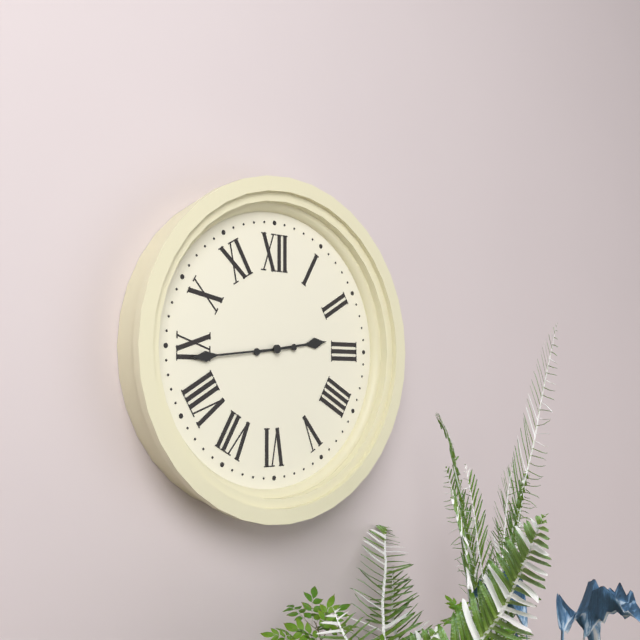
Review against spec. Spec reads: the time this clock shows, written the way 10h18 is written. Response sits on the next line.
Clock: 2h44
